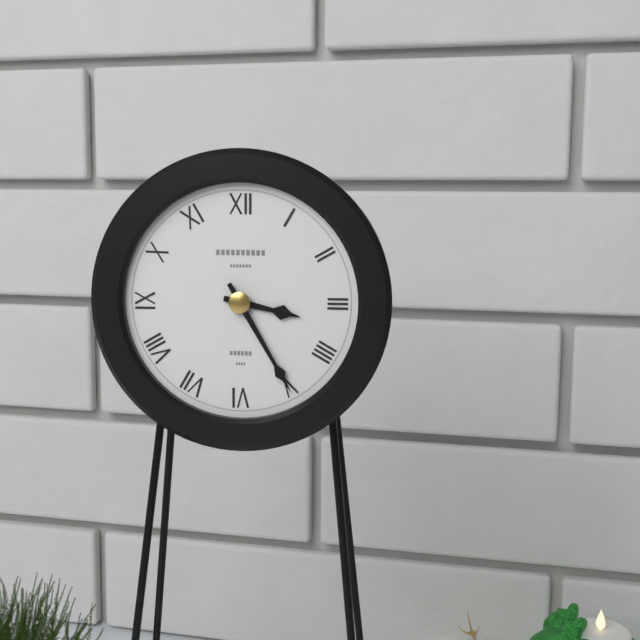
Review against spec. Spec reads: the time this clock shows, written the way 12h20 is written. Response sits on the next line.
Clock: 3h25
